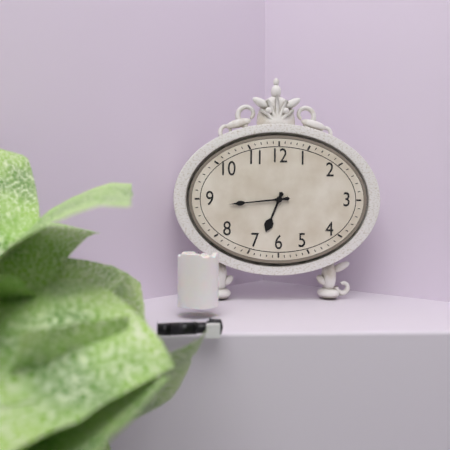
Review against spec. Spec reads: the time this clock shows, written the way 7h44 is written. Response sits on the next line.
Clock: 6h44
